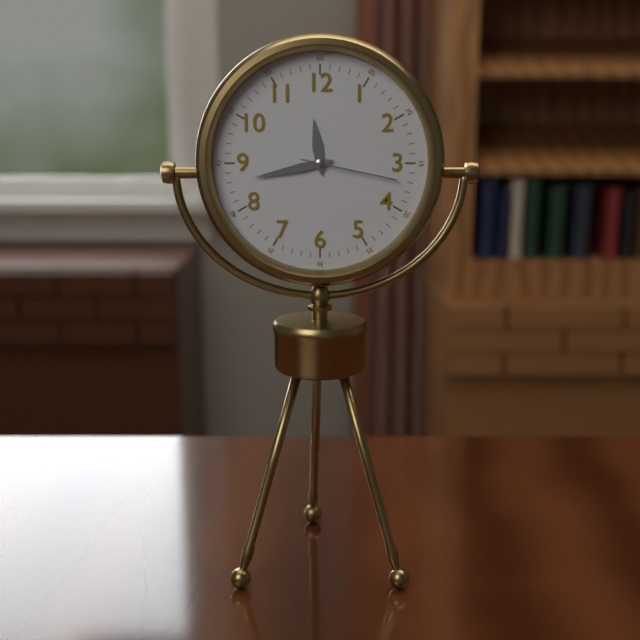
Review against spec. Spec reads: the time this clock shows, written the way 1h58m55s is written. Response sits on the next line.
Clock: 11h43m17s
